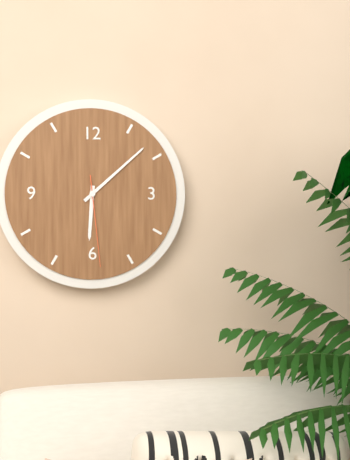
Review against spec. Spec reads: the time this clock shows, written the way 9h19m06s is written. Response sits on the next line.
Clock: 6h08m29s
